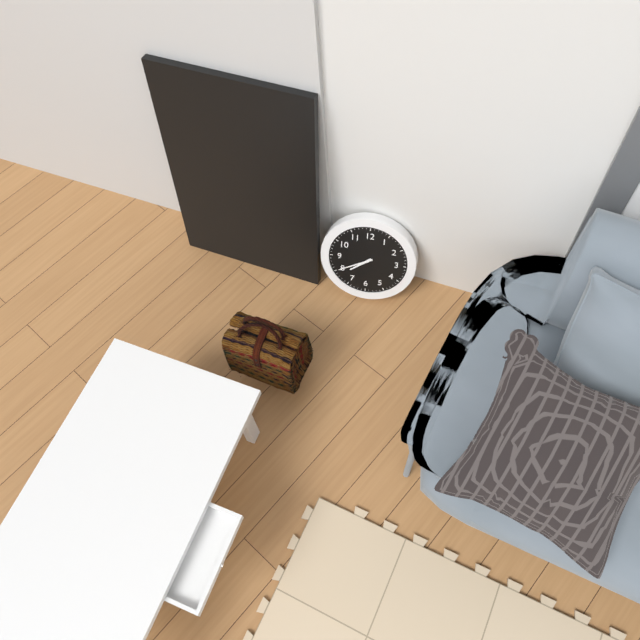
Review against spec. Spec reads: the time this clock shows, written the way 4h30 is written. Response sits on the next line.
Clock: 7h40
